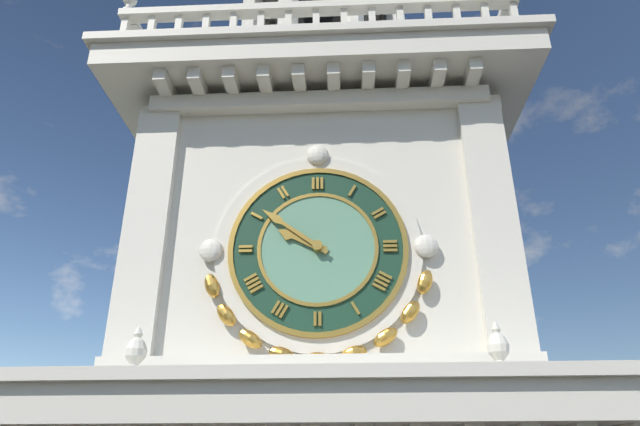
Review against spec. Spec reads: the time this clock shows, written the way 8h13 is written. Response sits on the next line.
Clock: 9h51
